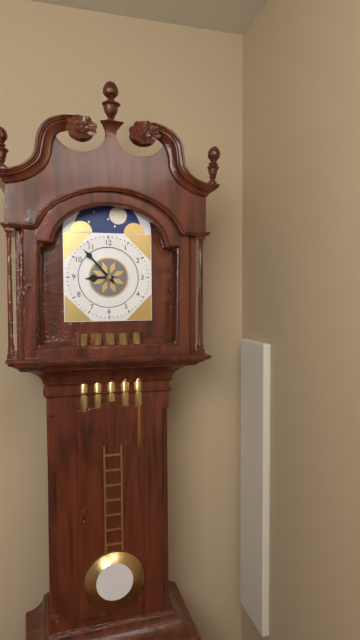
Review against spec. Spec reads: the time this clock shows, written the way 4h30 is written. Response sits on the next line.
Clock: 8h53
